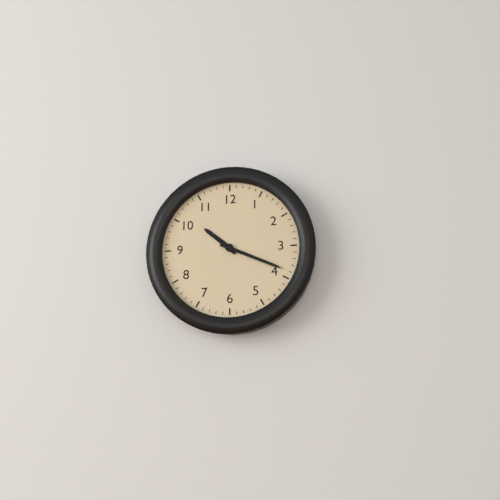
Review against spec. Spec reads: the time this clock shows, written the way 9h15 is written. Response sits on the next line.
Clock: 10h19
